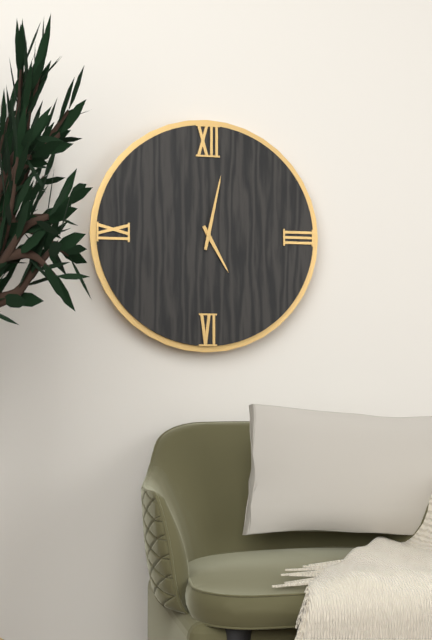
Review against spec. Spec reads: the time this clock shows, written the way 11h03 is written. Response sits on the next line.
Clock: 5h02
